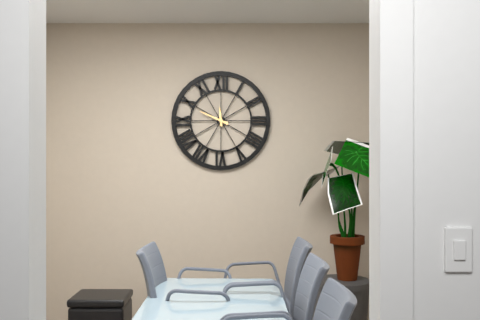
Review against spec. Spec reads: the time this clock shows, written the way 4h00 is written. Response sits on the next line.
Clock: 11h49
